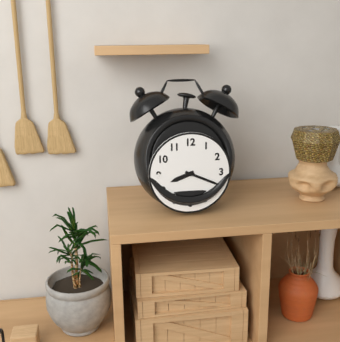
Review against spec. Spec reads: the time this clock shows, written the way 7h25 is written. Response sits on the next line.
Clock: 8h19
